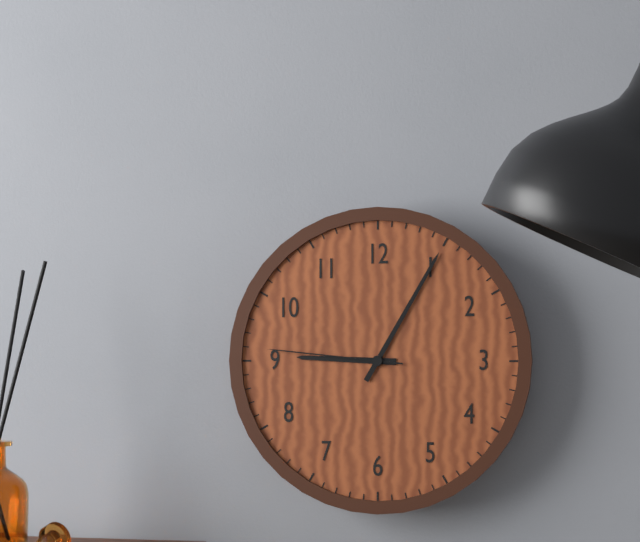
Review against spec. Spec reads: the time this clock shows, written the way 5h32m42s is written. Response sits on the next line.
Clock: 9h05m46s
